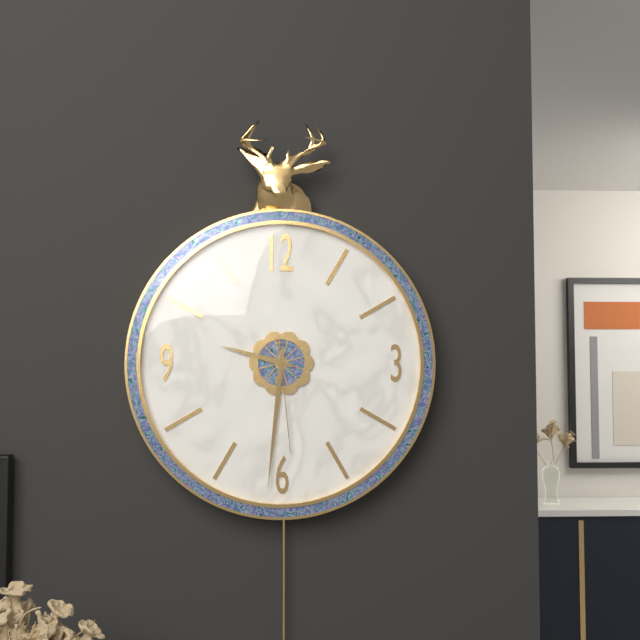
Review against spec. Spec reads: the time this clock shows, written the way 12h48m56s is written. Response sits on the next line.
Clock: 9h31m29s
